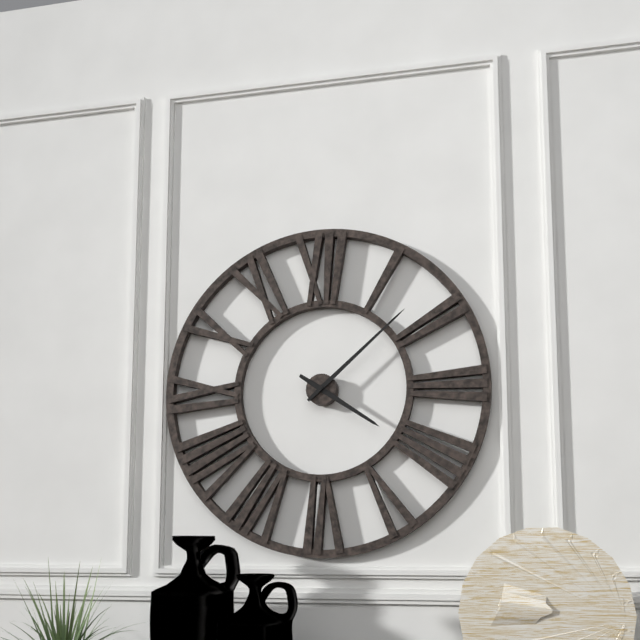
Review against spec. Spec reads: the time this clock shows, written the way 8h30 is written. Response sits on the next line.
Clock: 4h08
